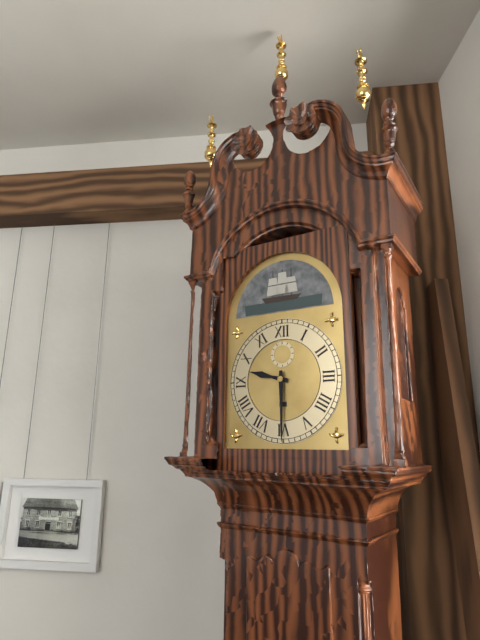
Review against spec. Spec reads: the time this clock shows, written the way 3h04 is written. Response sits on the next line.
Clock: 9h30
